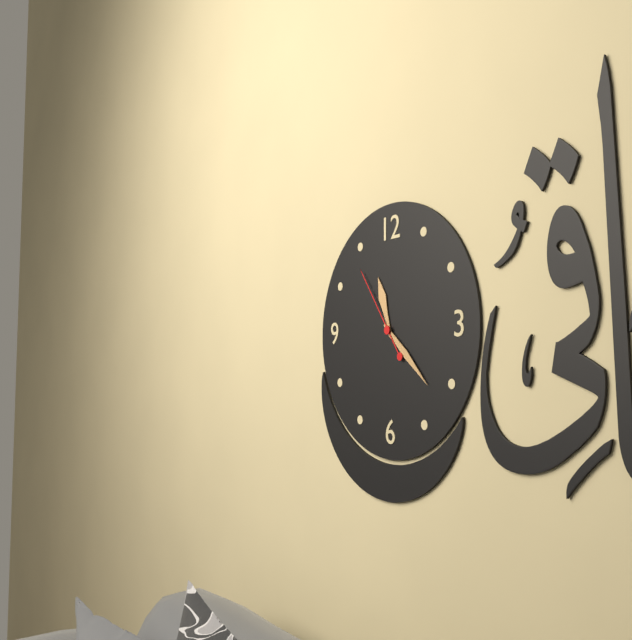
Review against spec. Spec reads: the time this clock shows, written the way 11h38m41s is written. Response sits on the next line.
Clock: 11h22m54s
